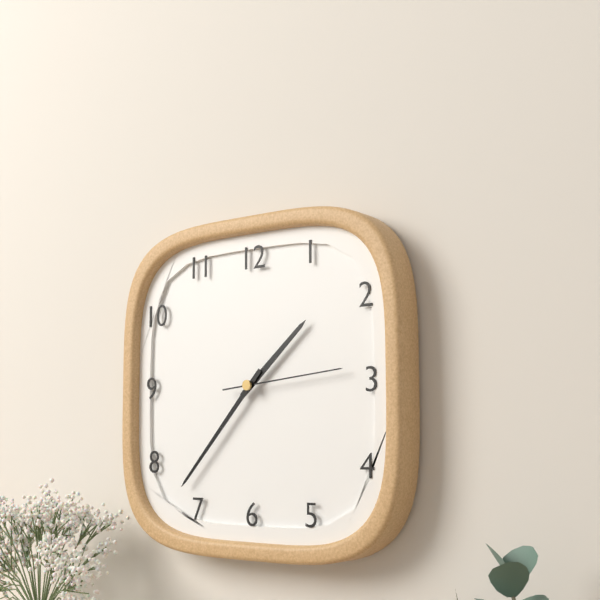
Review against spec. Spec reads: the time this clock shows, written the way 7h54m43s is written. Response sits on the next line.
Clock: 1h37m14s
